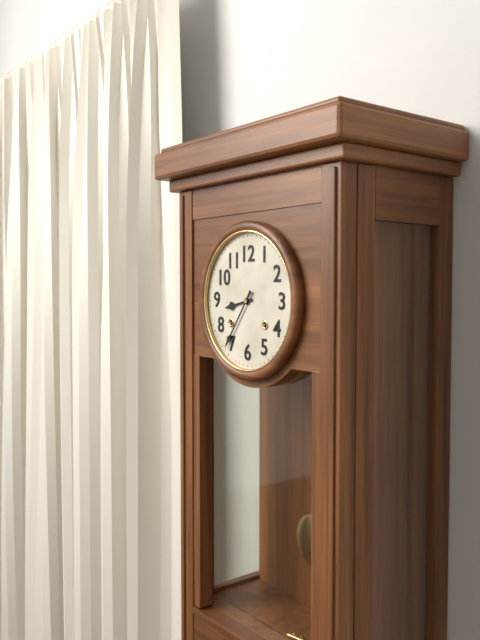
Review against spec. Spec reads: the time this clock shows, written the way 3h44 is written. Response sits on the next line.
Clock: 8h36
